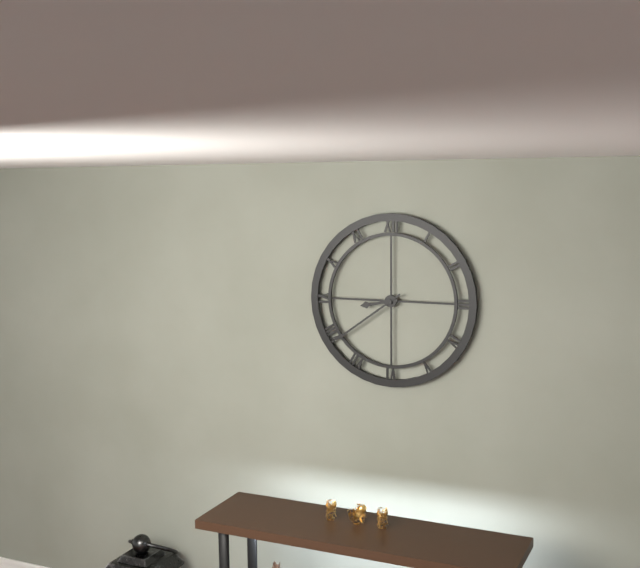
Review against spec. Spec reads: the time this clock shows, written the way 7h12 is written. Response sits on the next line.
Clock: 8h39
